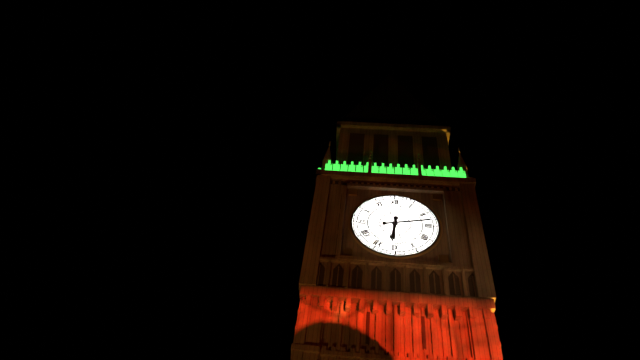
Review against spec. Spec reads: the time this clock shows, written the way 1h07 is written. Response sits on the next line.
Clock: 6h13
